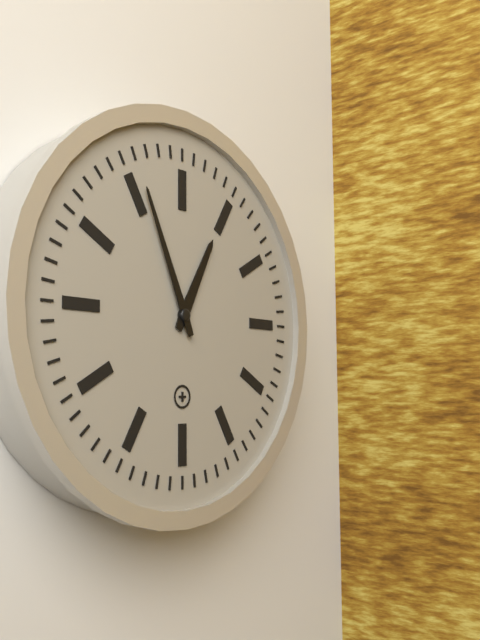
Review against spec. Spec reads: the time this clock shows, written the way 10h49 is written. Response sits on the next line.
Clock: 12h56
